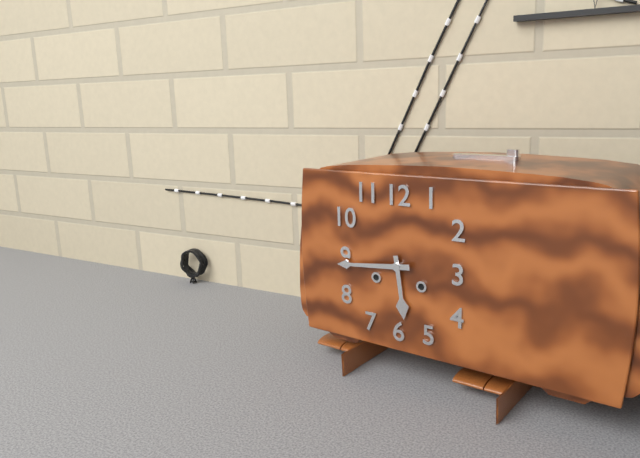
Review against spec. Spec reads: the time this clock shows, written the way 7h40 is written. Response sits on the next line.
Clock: 5h44
